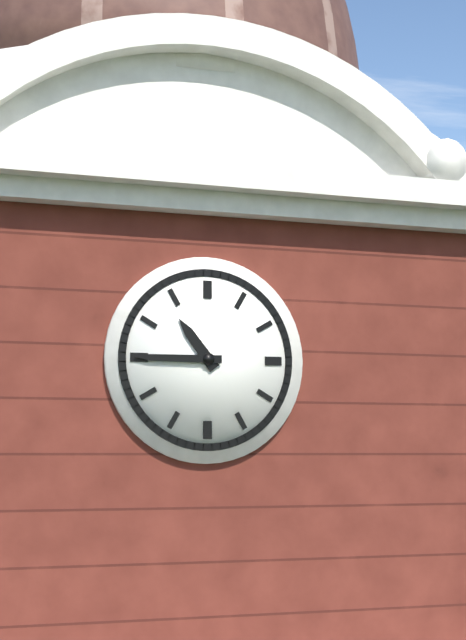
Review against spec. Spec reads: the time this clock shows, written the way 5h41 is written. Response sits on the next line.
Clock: 10h45
